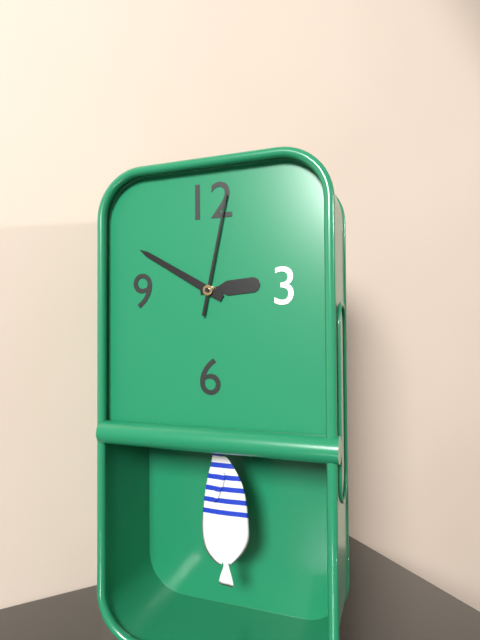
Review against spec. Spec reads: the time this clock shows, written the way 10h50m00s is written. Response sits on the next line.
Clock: 2h50m02s
